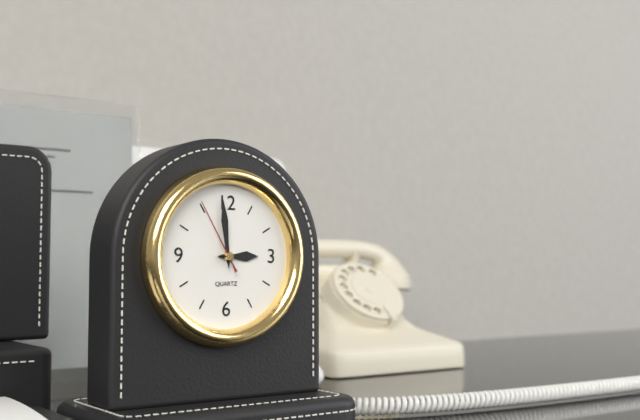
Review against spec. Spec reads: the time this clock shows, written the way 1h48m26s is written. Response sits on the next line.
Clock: 2h59m55s
